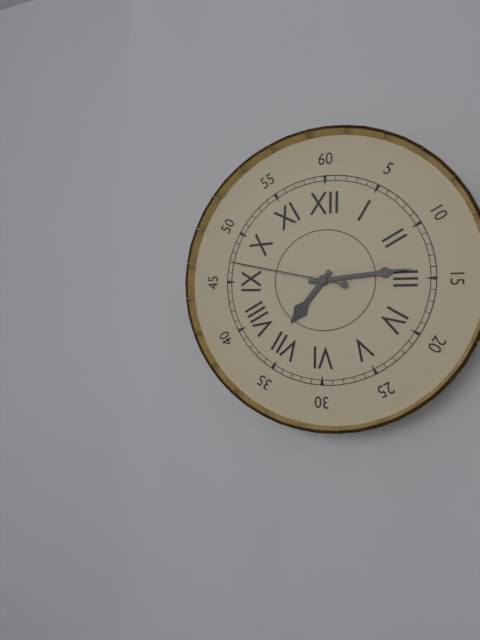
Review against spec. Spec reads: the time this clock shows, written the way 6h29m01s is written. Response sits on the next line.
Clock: 7h14m47s
